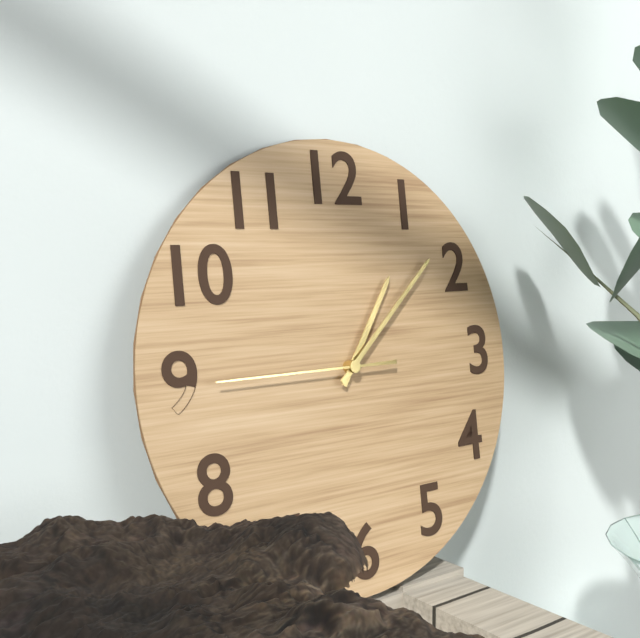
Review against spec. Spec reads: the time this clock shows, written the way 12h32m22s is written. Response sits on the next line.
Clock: 1h08m45s
